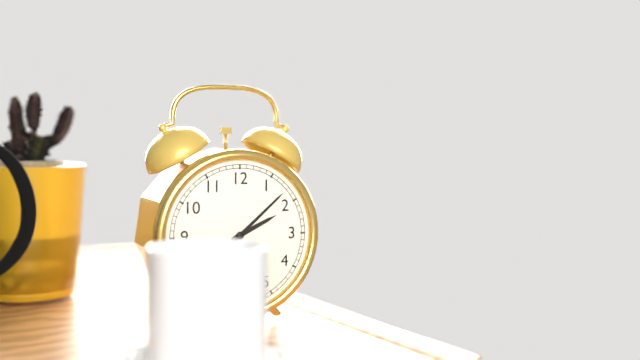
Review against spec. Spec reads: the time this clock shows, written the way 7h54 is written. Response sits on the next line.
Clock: 2h08
